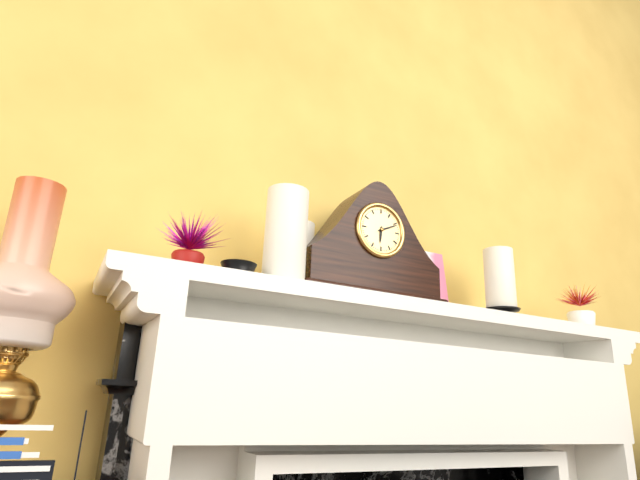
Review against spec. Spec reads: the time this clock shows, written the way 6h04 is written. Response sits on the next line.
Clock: 6h11
